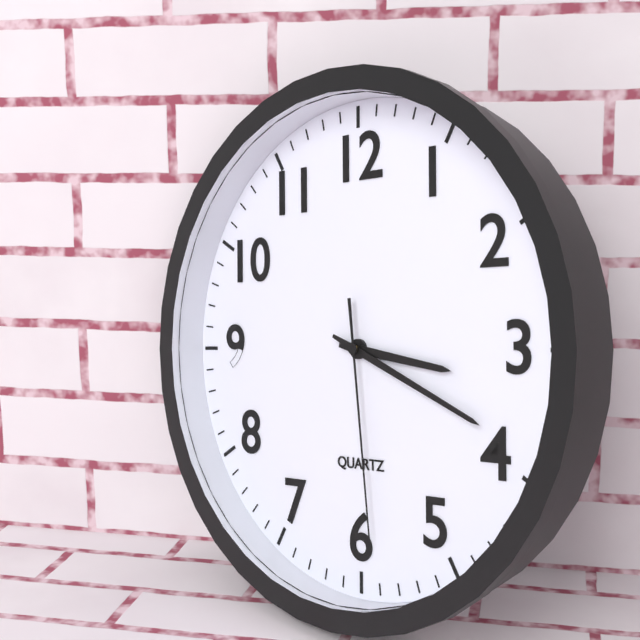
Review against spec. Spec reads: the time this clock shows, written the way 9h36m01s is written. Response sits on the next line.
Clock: 3h19m29s
